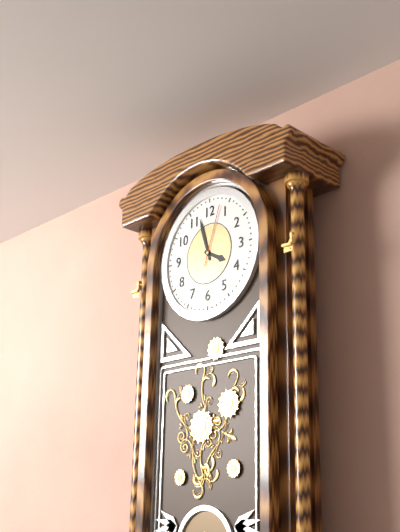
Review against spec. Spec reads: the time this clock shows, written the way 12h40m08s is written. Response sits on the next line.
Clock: 3h57m03s
